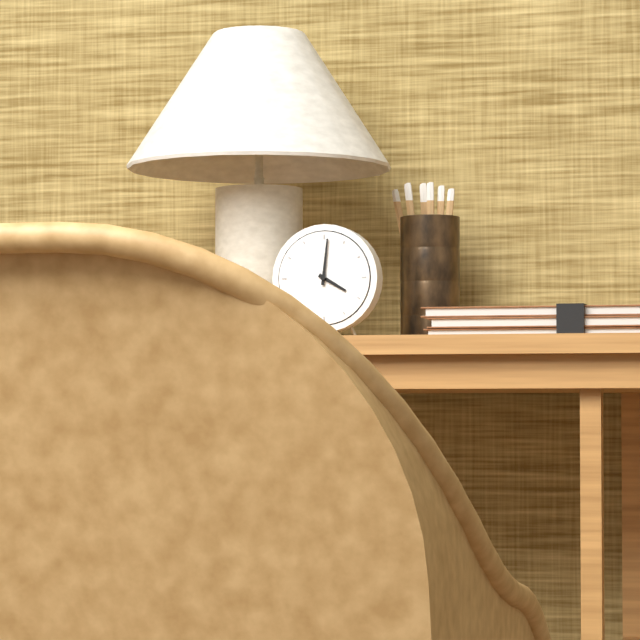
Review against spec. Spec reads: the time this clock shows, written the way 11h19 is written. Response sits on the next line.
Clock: 4h01
